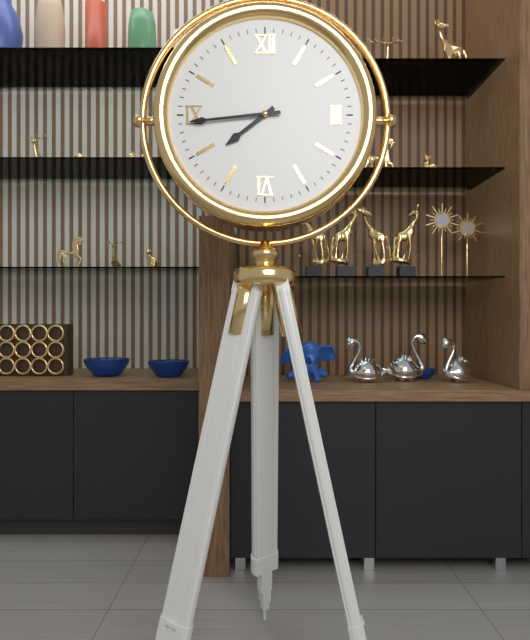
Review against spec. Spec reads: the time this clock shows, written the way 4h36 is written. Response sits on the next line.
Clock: 7h44
